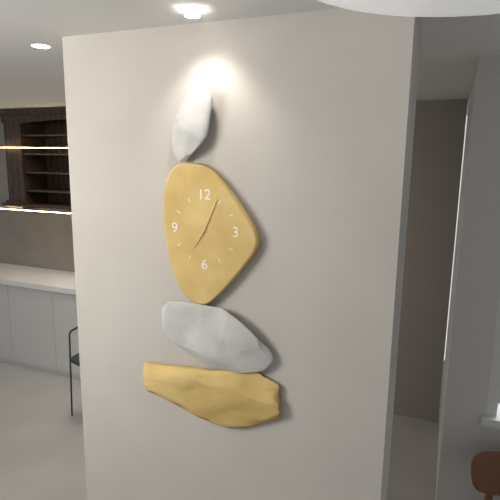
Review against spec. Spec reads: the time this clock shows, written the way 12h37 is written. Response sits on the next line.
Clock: 7h04
